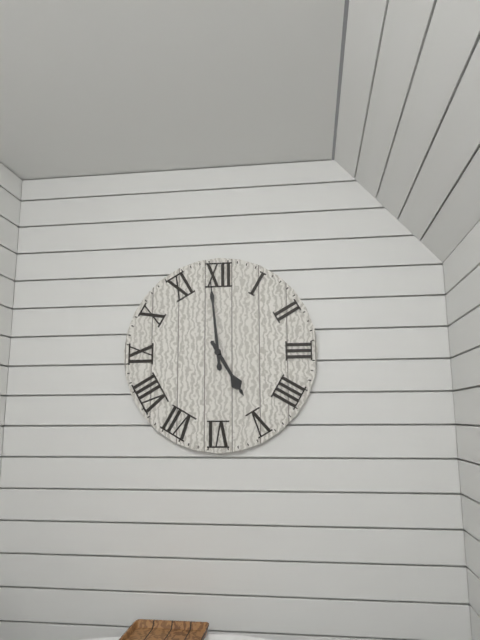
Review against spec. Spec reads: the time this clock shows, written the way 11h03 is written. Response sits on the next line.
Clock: 4h59
